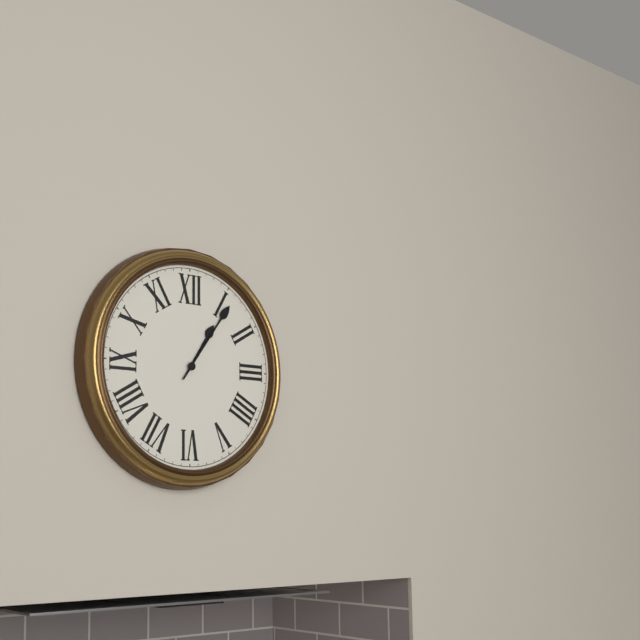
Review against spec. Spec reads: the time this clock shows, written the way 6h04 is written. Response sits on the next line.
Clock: 1h06
